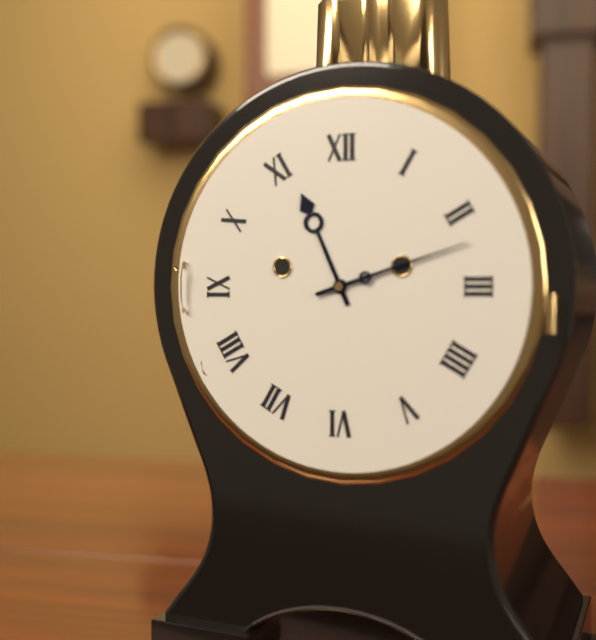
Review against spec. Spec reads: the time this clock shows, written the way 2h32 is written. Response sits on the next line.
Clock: 11h12
